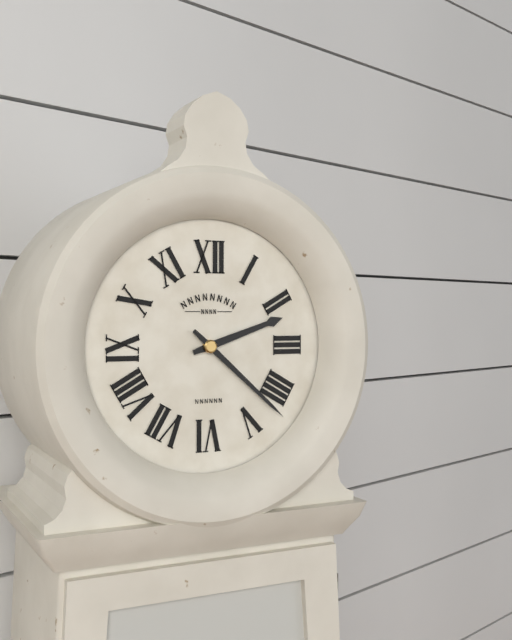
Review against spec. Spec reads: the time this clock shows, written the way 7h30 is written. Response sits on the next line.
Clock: 2h22
